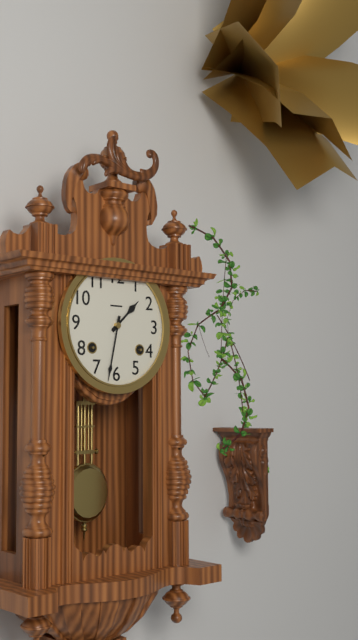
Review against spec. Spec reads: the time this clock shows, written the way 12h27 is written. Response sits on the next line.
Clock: 1h32
